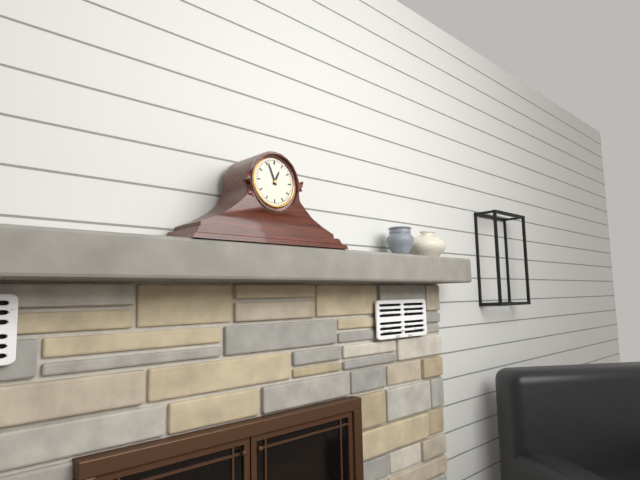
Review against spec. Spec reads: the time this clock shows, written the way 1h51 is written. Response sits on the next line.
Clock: 12h56
